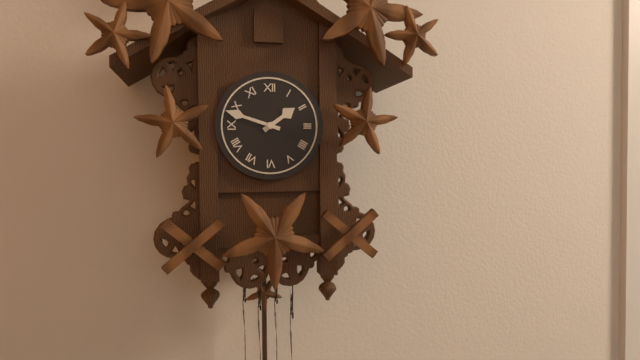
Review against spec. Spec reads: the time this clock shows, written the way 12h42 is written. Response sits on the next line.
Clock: 1h48
